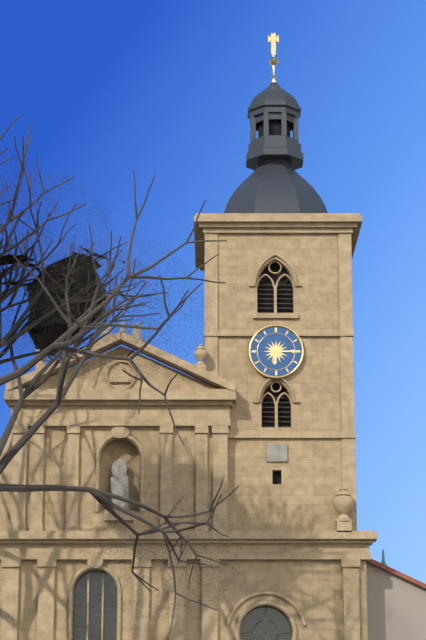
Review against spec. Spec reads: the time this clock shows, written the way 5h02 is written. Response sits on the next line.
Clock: 6h15
